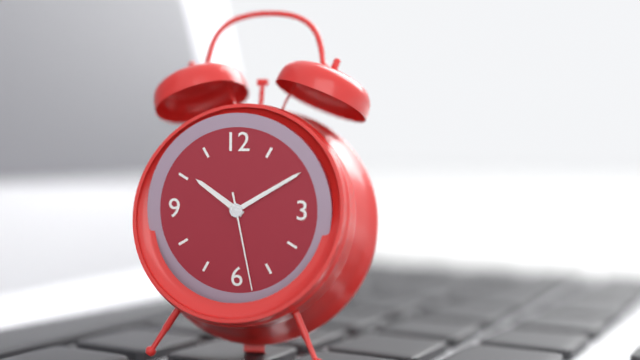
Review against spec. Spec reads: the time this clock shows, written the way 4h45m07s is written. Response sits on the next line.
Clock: 10h10m28s
